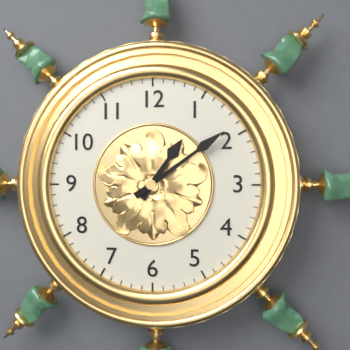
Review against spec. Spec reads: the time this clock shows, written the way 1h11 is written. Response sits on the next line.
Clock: 1h09
